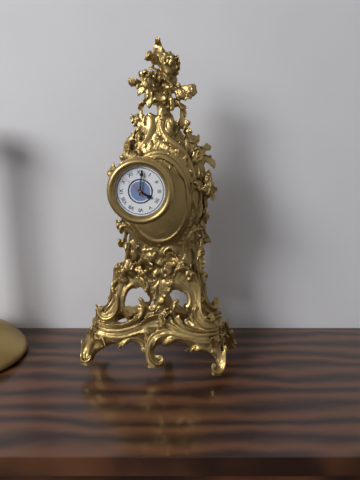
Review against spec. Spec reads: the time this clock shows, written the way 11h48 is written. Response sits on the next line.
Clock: 4h01
